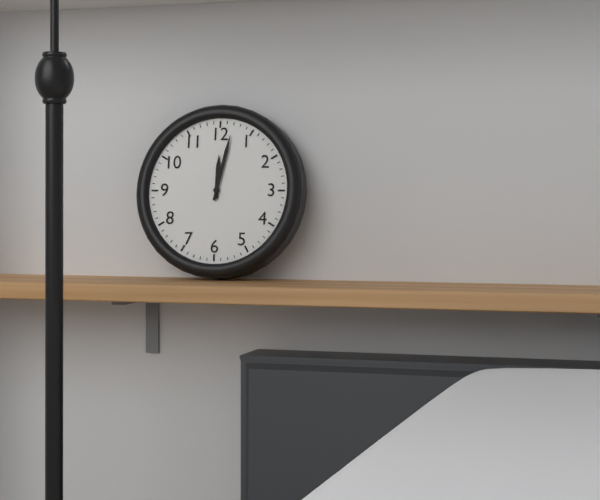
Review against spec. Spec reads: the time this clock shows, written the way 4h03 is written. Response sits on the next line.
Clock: 12h02
